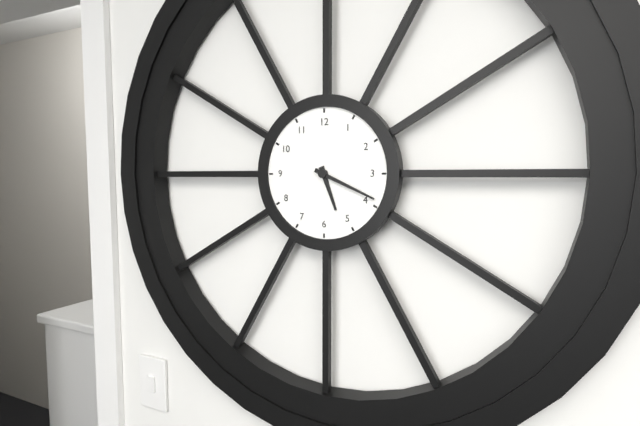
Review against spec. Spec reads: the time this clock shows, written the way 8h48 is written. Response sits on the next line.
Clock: 5h19
